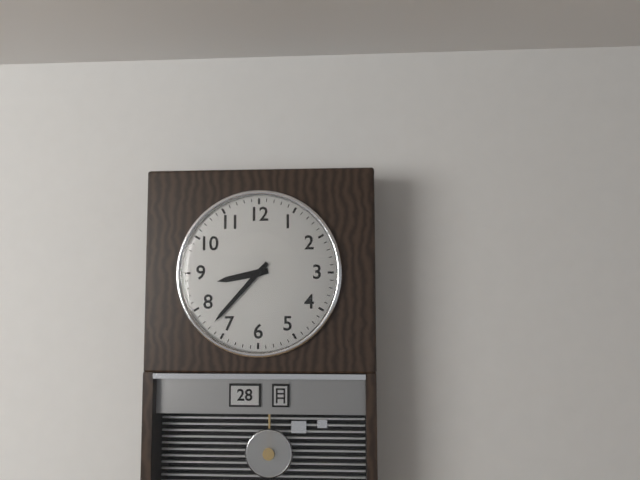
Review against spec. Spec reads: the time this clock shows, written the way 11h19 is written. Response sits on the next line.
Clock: 8h37
